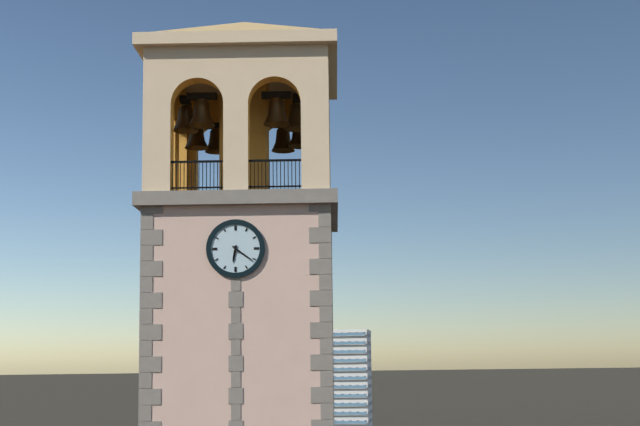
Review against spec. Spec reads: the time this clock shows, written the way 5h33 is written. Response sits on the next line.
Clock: 6h21
